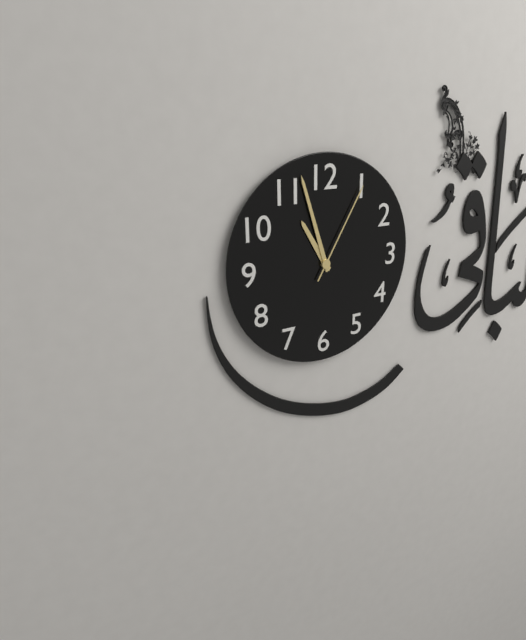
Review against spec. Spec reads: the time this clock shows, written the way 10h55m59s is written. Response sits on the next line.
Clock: 10h57m05s
